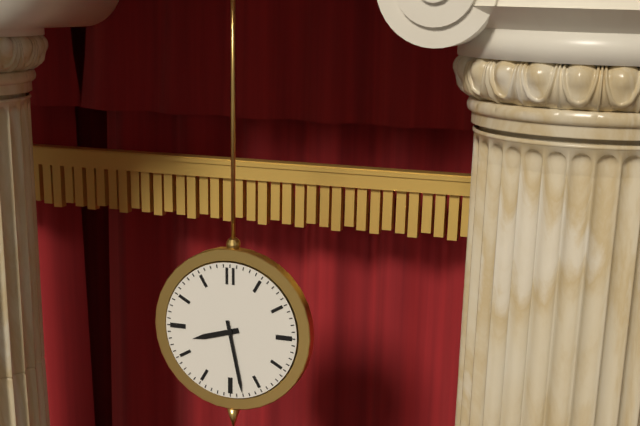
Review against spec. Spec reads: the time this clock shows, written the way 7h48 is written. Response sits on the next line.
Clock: 8h28
